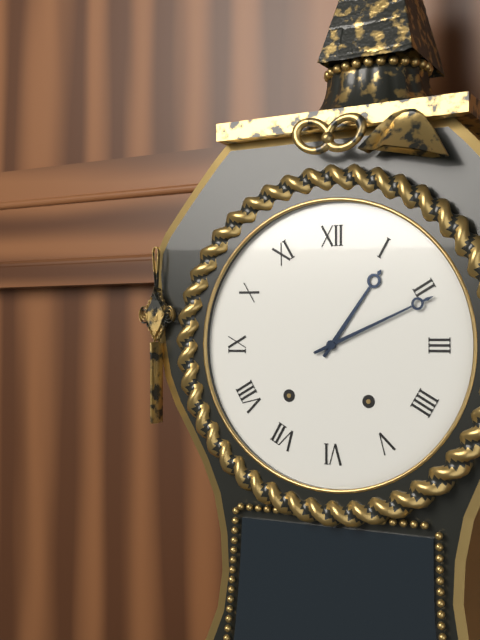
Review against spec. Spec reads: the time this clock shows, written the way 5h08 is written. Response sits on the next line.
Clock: 1h11
